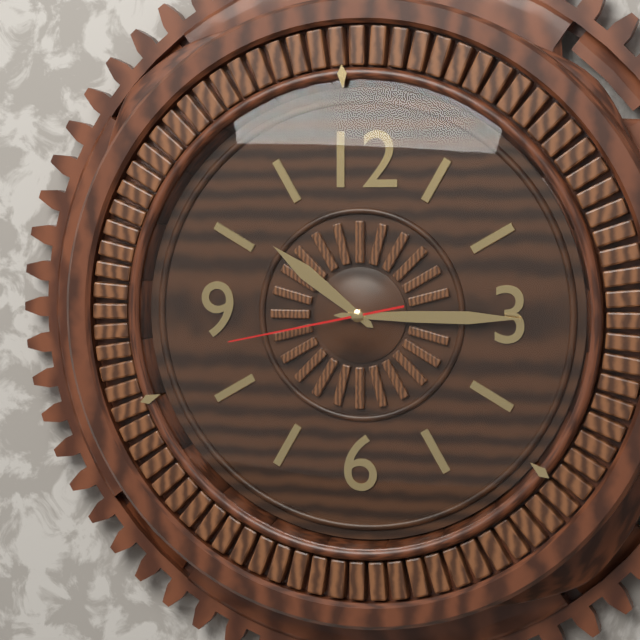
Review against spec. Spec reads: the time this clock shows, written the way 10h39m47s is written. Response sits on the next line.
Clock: 10h15m43s
